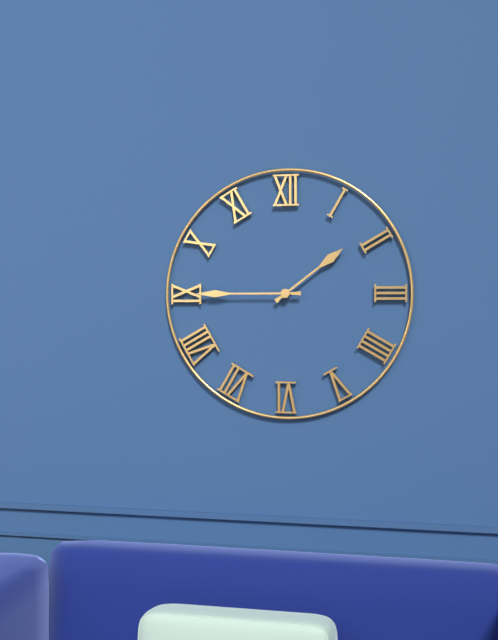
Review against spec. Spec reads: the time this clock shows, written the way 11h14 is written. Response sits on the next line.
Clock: 1h45
